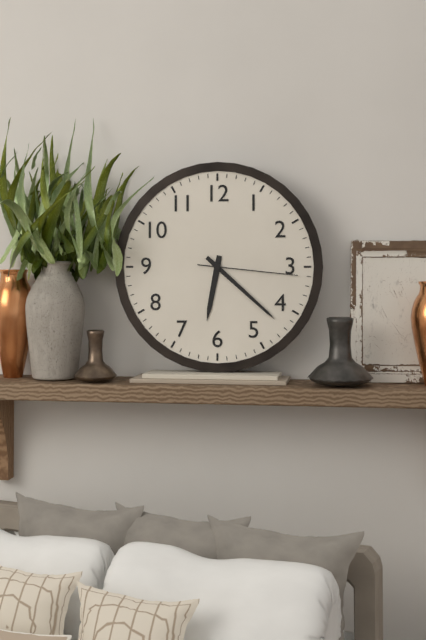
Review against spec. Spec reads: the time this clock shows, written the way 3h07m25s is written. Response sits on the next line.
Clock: 6h22m16s
